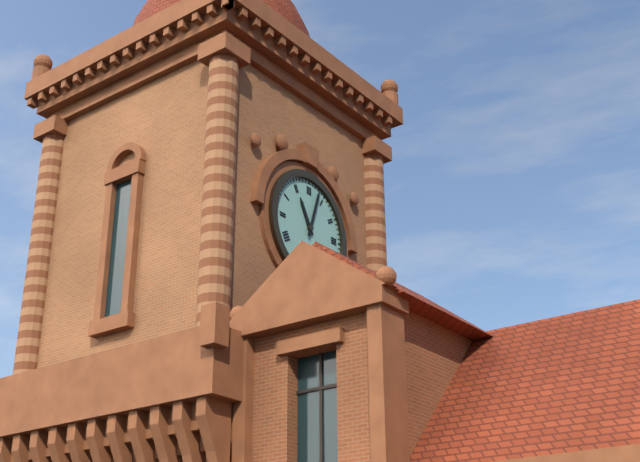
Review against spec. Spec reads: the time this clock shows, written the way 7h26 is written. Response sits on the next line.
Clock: 11h03
